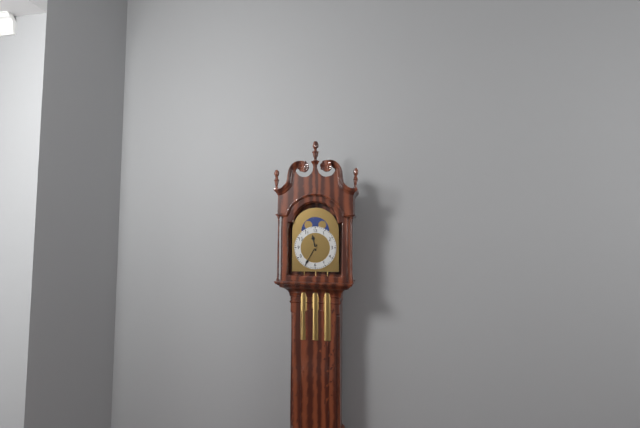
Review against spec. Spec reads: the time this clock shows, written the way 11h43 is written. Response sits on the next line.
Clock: 11h35
